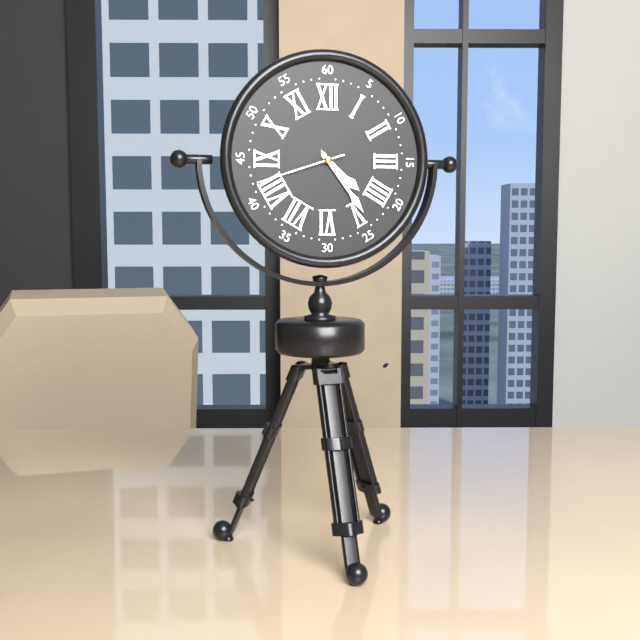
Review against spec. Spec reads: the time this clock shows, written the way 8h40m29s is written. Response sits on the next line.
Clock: 4h24m42s
